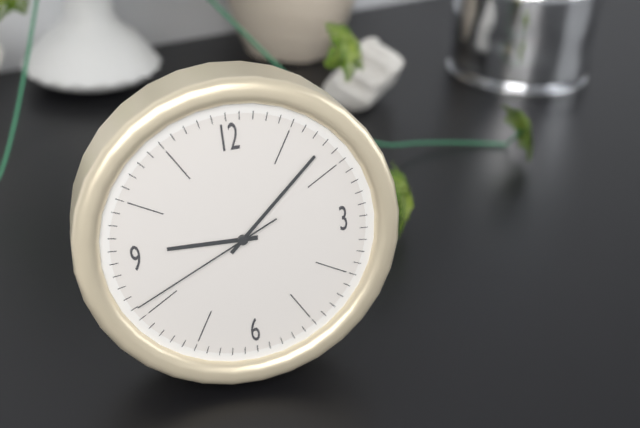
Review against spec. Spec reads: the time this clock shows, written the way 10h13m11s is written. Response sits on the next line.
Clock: 9h08m41s
